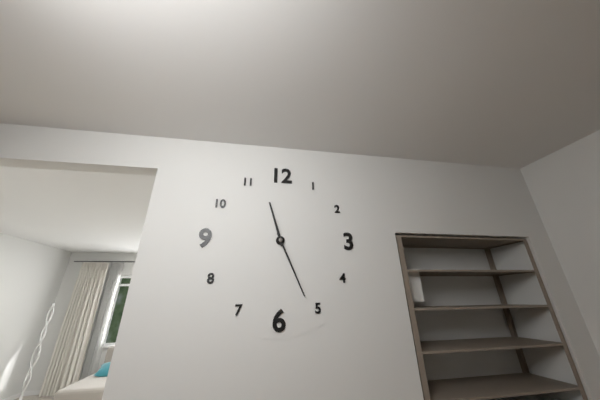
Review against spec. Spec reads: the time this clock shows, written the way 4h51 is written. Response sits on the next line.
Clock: 11h26
